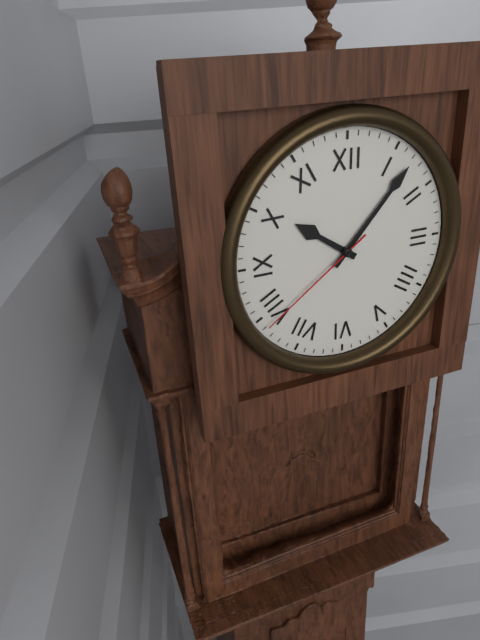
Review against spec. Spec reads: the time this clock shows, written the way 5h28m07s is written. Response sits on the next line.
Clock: 10h07m39s
